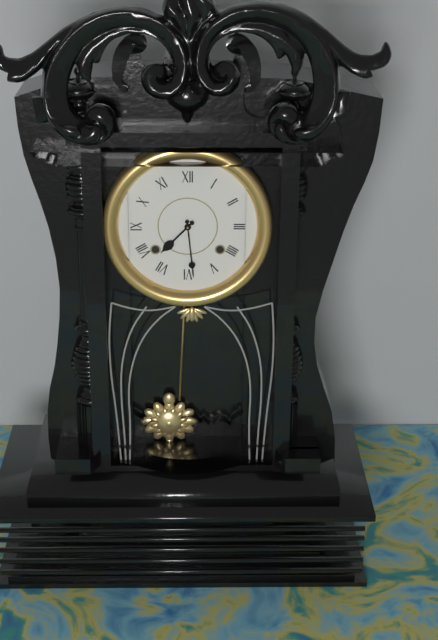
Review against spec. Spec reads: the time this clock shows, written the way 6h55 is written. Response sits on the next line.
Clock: 7h29
